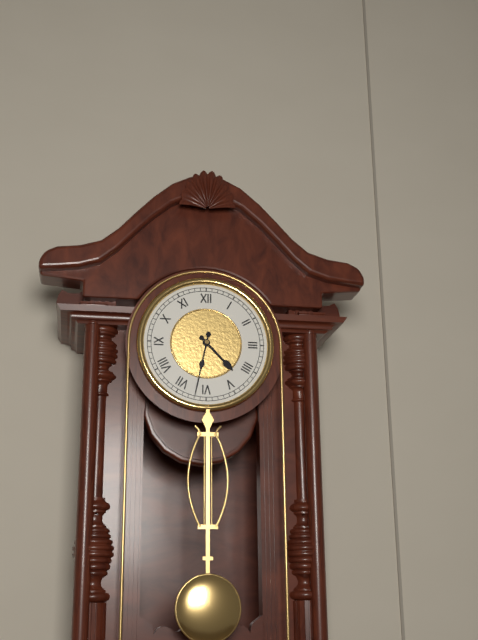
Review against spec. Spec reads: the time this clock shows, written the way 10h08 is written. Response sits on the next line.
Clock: 4h32
